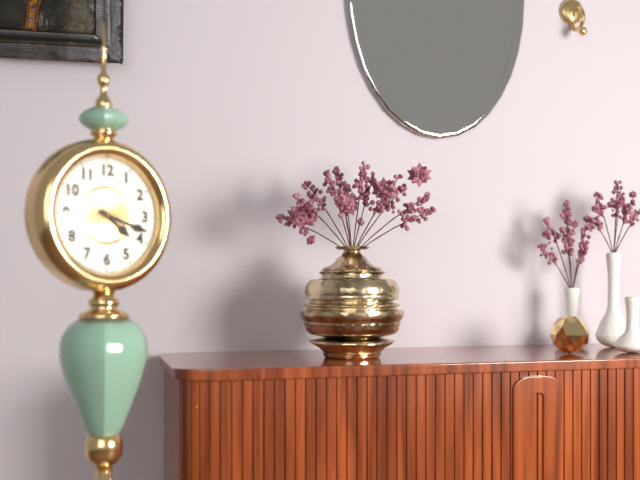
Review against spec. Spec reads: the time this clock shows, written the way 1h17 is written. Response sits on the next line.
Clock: 4h18
